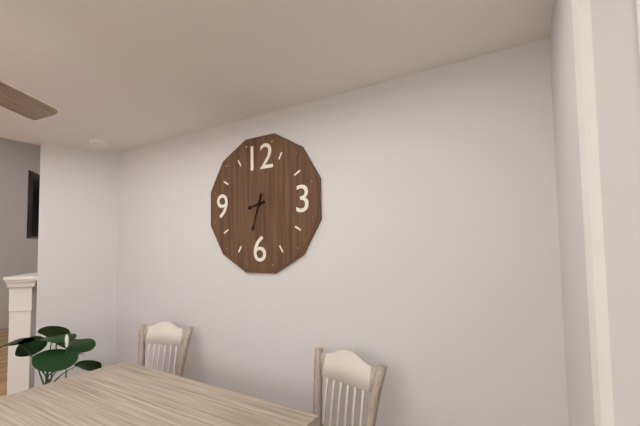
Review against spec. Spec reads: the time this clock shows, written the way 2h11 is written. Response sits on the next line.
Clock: 8h33
